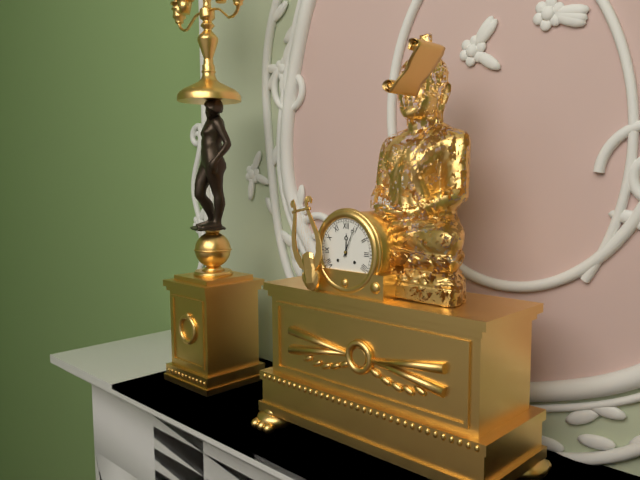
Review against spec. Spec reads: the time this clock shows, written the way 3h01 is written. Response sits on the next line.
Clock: 12h04
